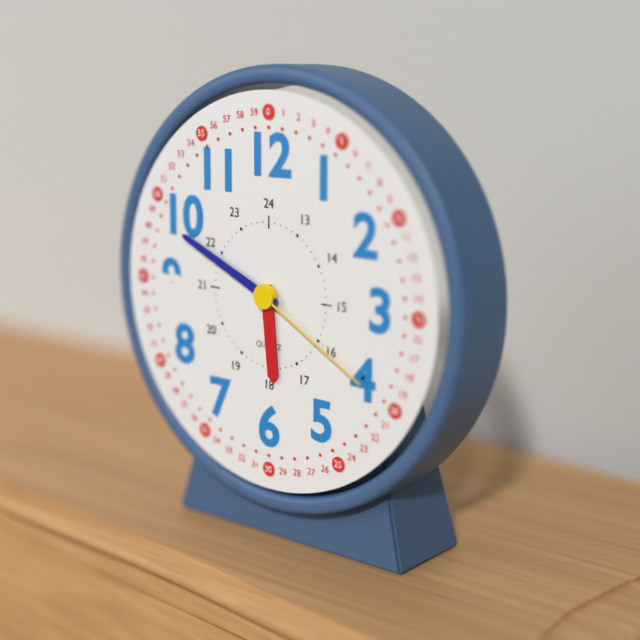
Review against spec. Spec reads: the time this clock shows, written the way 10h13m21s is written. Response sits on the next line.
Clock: 5h49m20s
